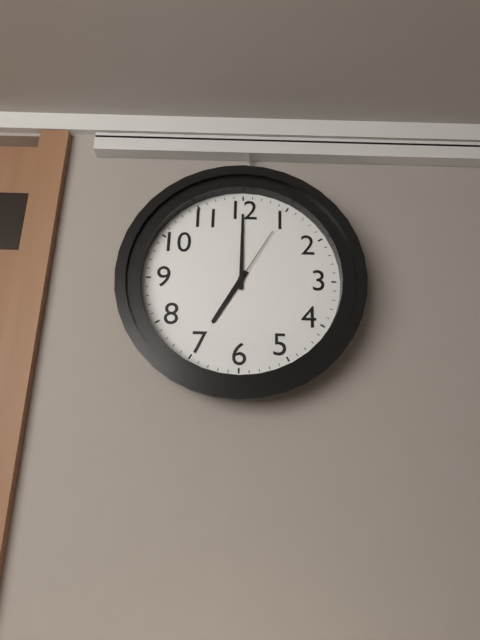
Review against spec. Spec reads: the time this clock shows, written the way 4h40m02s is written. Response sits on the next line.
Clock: 7h00m05s
